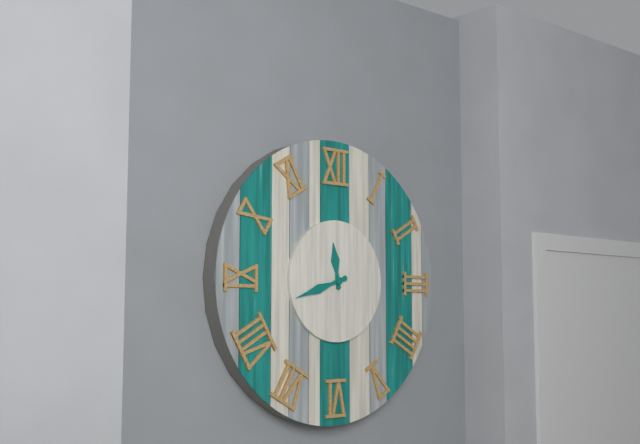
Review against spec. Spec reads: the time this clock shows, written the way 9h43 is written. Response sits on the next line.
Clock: 11h42
